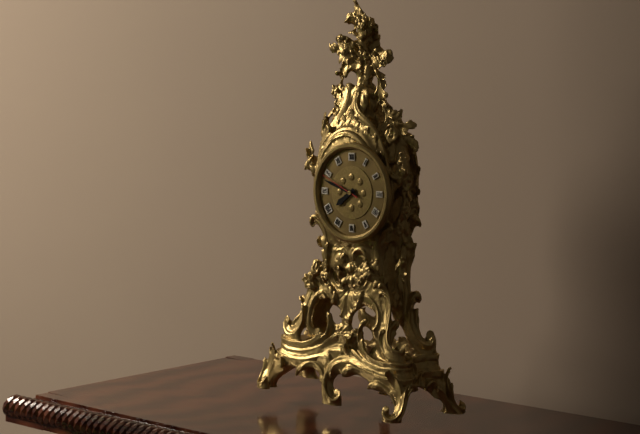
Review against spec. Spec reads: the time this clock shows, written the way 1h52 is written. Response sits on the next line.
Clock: 7h48
